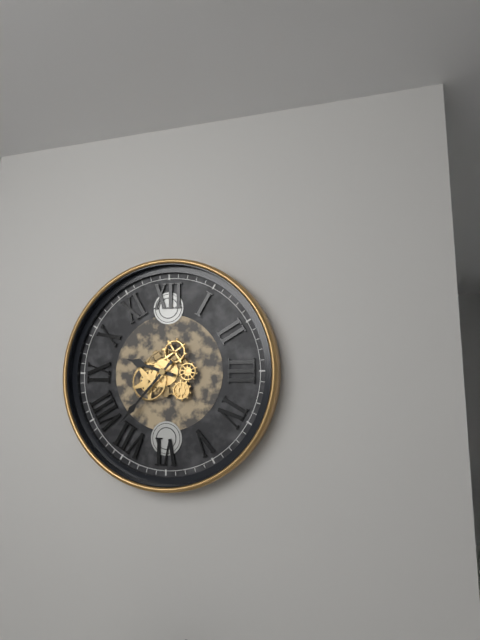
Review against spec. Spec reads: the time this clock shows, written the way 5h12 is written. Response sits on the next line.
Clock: 9h37
